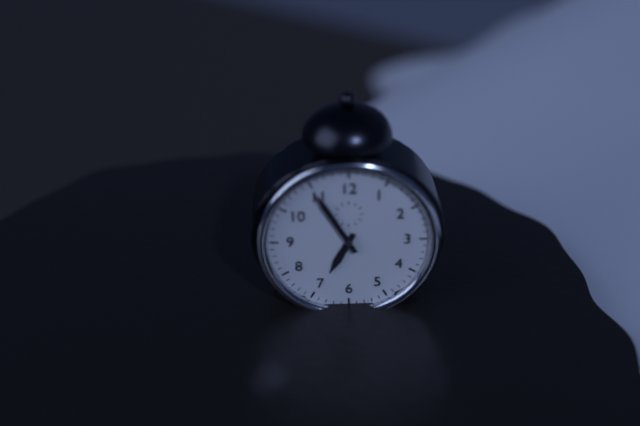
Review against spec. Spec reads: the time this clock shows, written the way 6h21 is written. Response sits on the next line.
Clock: 6h55
